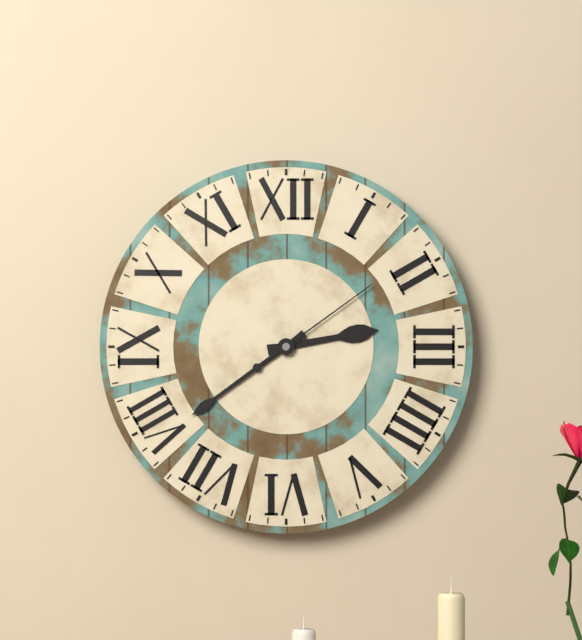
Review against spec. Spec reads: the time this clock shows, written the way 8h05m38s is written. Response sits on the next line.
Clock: 2h39m09s
